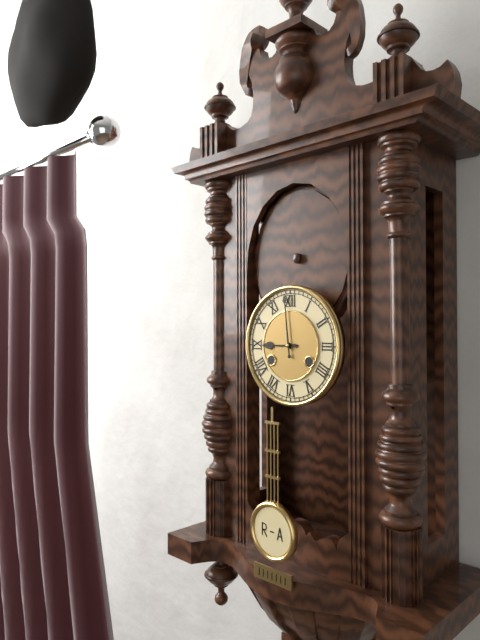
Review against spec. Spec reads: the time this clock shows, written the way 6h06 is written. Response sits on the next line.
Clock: 8h59
